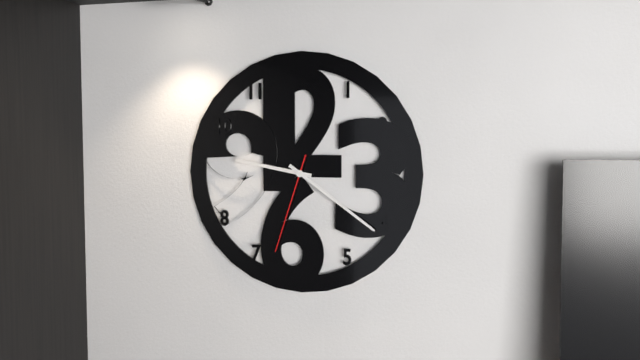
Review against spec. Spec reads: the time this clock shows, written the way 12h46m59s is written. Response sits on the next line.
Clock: 9h21m33s
